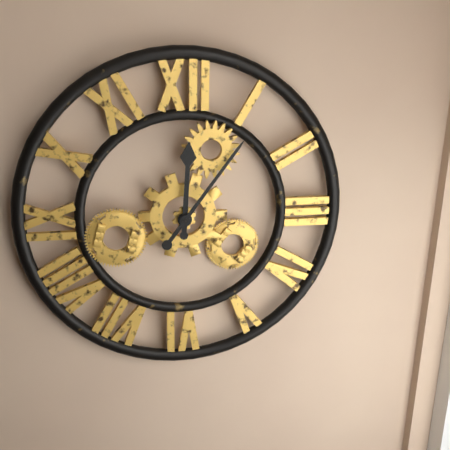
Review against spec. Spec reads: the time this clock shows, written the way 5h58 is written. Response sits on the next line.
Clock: 12h06
